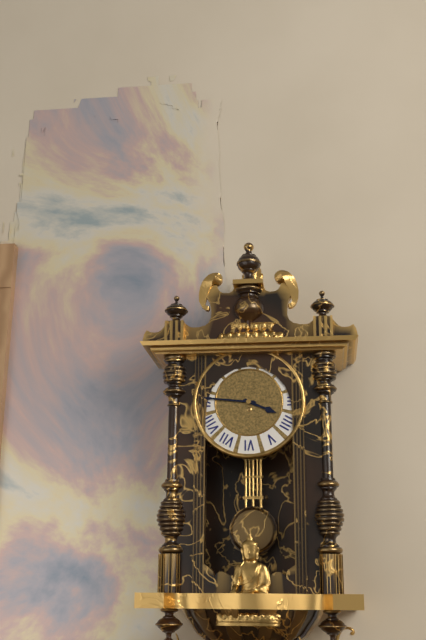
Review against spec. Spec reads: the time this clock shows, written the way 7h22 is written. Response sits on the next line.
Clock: 3h46
